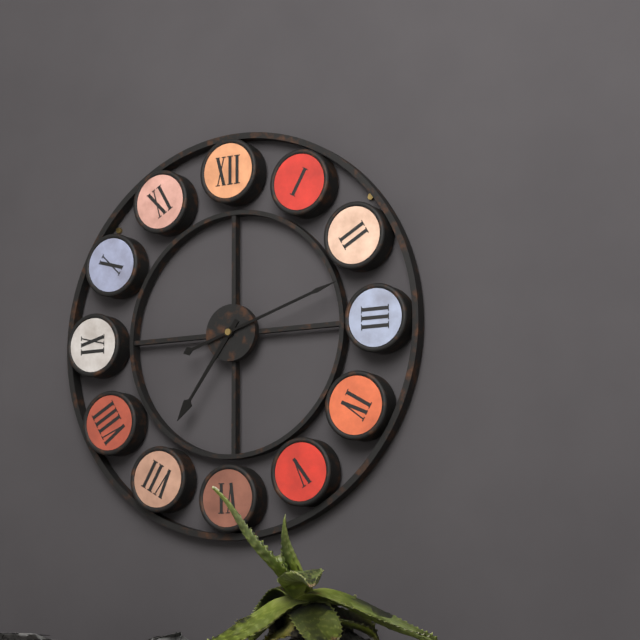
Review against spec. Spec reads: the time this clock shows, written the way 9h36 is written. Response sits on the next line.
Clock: 7h12
